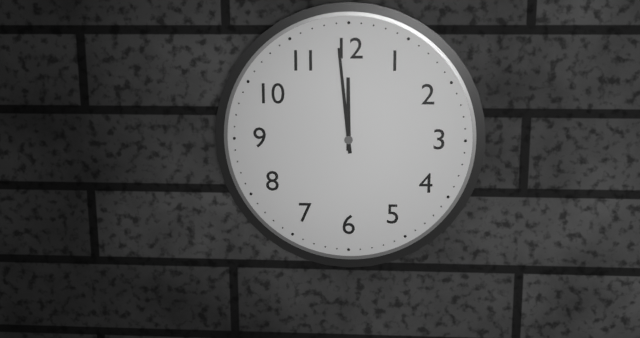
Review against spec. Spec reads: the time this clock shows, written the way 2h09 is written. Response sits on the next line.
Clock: 11h59
